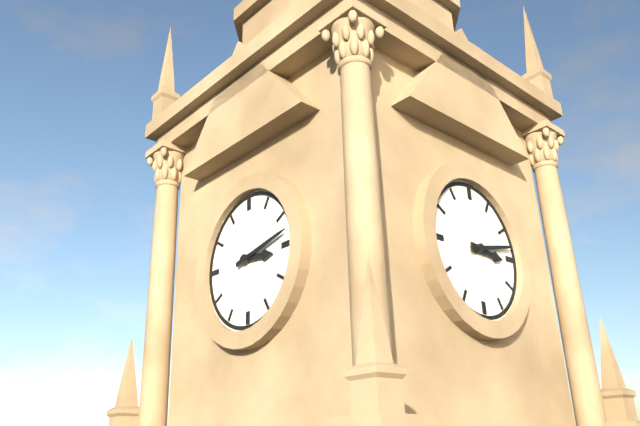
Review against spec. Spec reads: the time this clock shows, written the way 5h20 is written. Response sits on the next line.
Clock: 3h13
